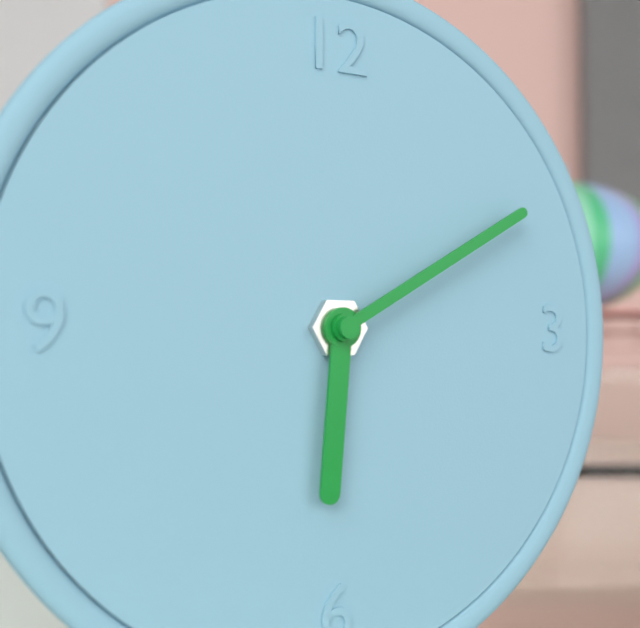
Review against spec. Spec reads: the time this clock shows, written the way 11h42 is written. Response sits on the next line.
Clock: 6h10
